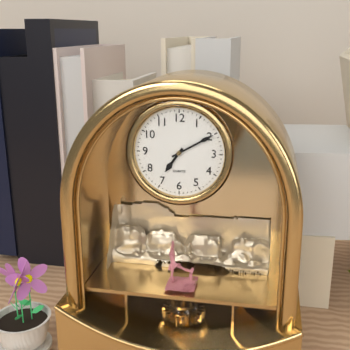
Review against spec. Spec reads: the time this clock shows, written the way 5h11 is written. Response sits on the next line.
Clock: 7h10
